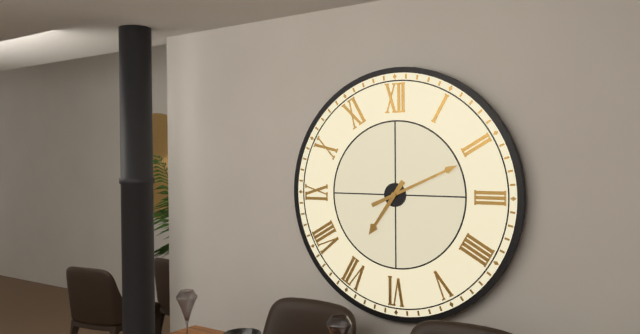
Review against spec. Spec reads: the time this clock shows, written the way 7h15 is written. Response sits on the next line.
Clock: 7h11
